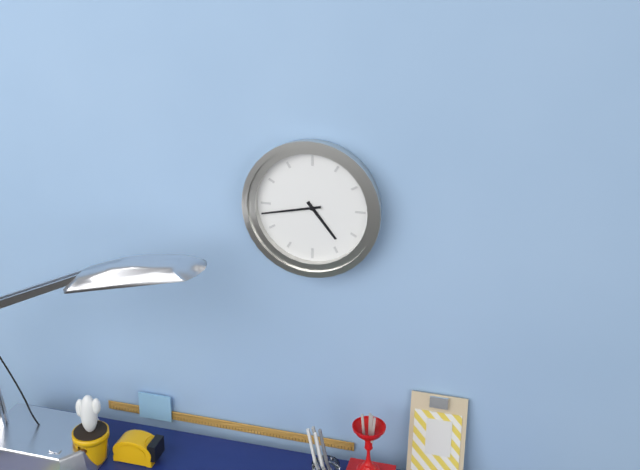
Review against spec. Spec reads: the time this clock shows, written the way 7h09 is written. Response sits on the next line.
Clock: 4h43
